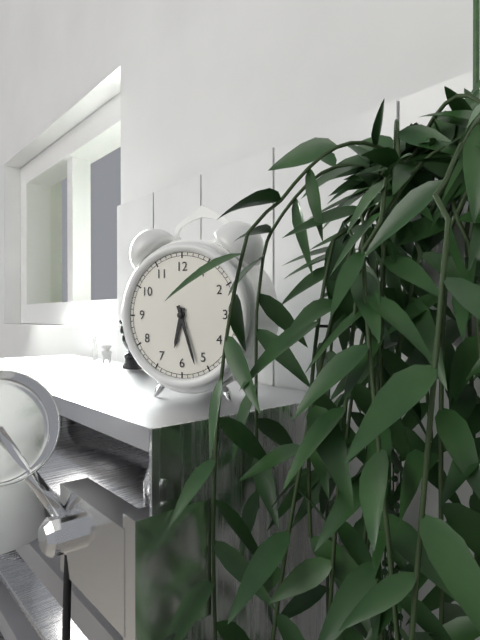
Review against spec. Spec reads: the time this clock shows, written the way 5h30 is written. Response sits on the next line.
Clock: 6h27
